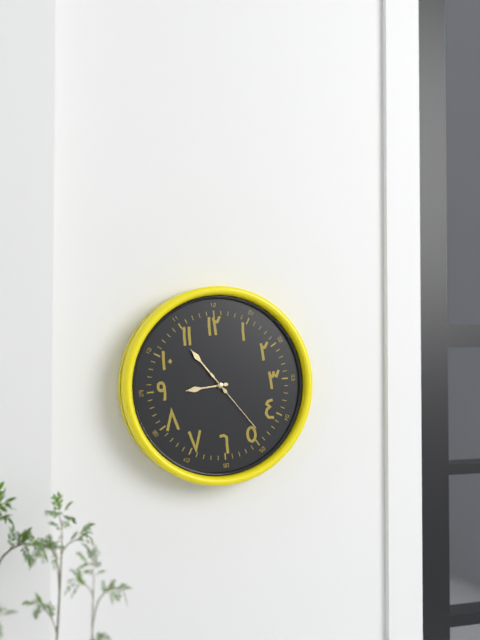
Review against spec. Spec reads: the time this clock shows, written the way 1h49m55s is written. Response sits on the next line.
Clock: 8h54m24s
